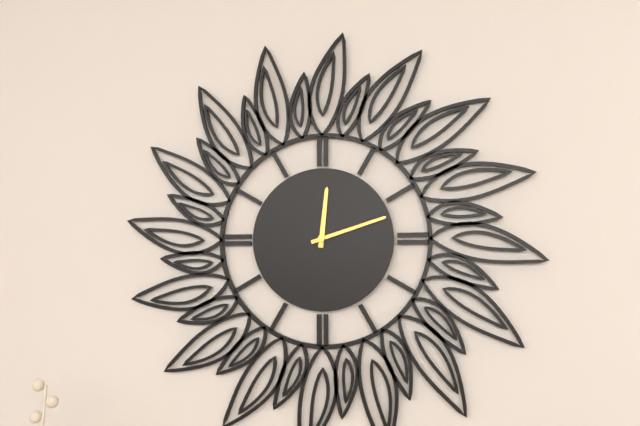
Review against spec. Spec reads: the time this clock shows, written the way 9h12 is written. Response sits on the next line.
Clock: 12h12
